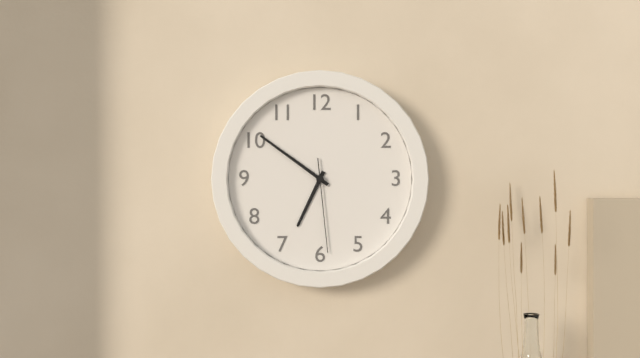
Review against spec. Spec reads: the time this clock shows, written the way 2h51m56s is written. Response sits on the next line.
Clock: 6h51m29s
